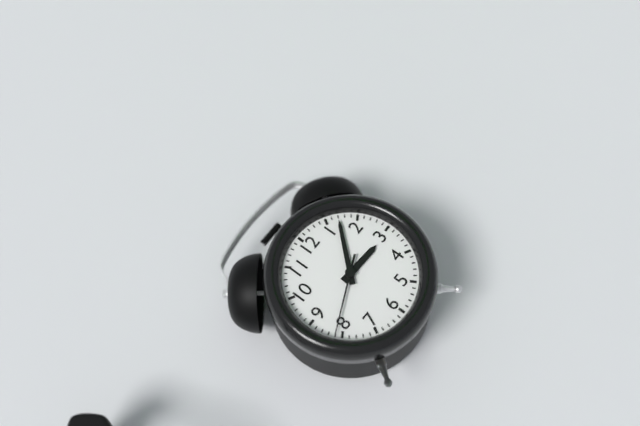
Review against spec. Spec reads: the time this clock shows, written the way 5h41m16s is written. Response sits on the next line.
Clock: 3h07m41s
